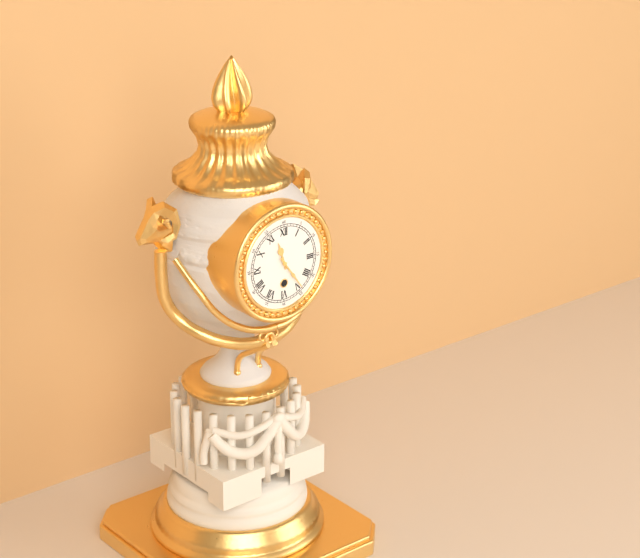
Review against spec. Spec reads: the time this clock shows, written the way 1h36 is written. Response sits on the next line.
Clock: 11h24
